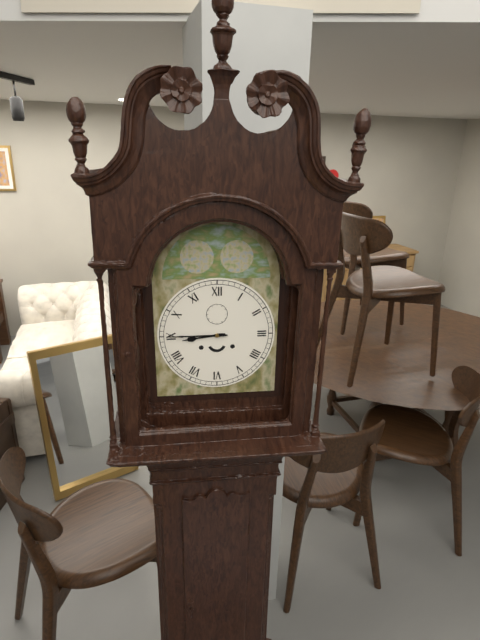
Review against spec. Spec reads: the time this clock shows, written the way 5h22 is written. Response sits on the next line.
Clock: 8h45
